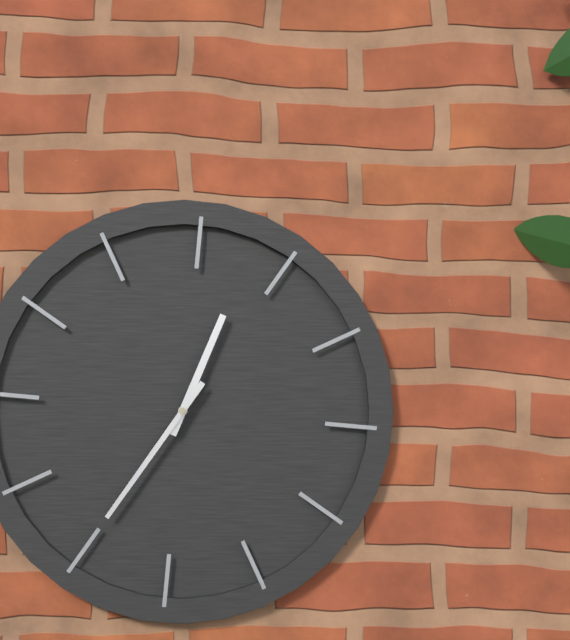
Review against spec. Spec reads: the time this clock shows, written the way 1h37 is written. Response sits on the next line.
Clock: 12h35
